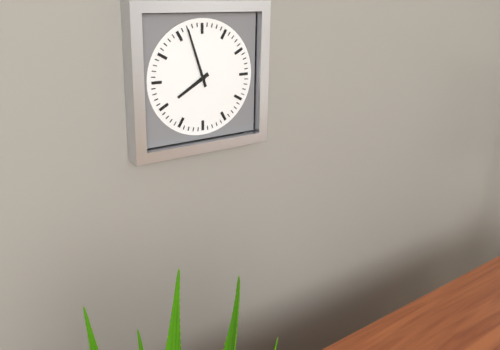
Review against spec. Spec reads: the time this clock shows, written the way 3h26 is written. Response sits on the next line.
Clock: 7h57
